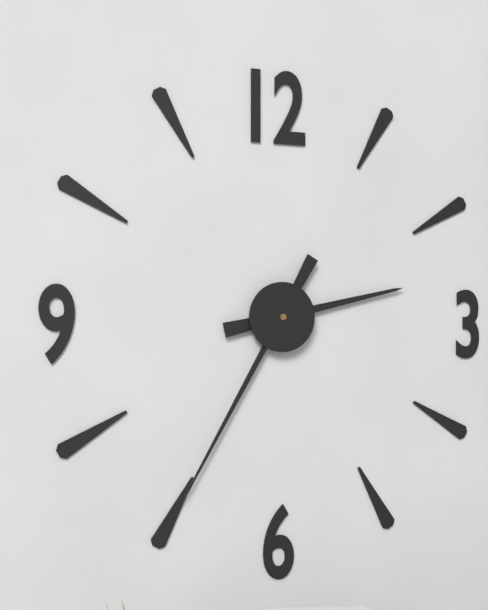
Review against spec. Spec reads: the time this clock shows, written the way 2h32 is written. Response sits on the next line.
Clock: 2h35
